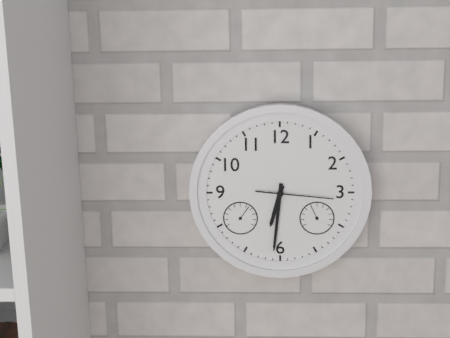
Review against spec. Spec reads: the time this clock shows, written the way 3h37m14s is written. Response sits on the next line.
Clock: 6h31m16s
